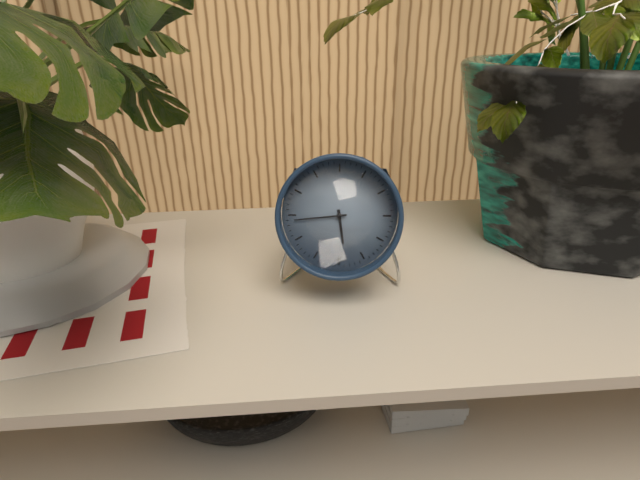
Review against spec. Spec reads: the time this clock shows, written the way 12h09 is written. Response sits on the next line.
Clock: 5h44
